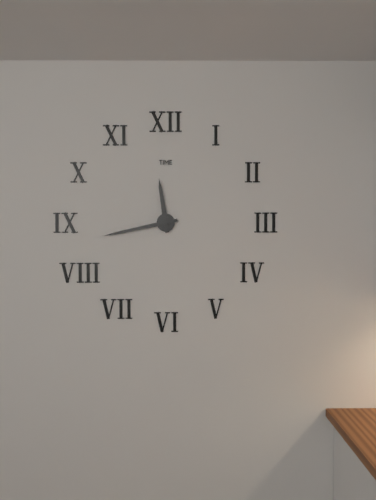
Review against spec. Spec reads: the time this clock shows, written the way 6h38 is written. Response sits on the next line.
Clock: 11h43
